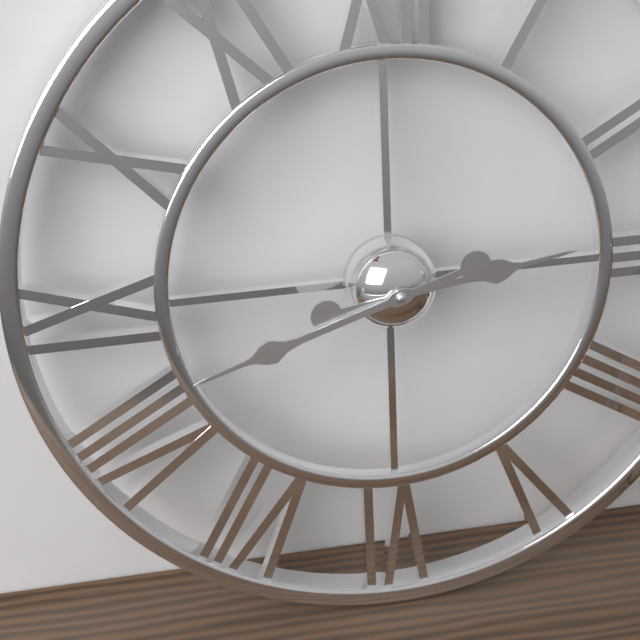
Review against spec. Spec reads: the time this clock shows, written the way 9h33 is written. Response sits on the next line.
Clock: 2h42
